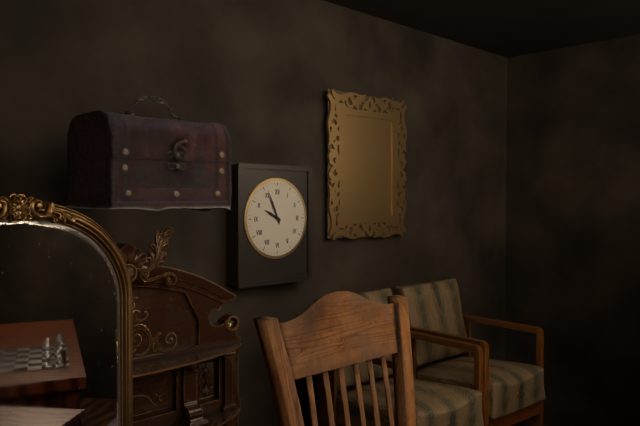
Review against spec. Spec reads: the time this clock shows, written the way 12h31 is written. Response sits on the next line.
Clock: 9h56
